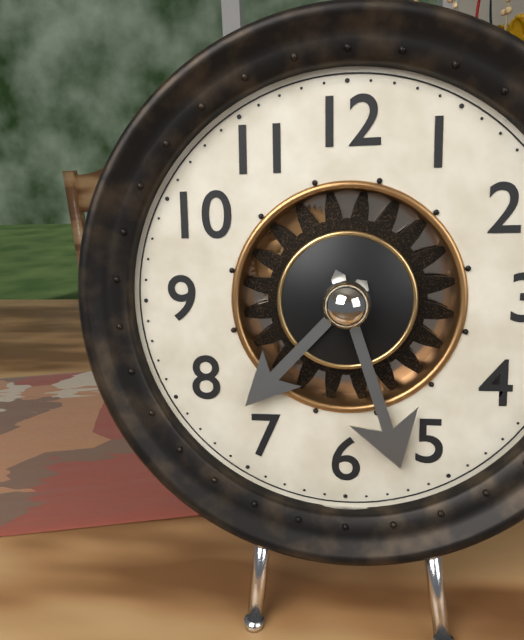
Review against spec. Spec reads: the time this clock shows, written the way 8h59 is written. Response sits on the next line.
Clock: 7h27
